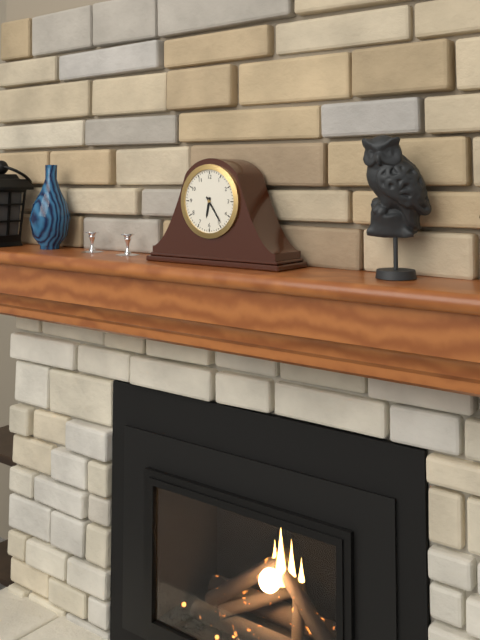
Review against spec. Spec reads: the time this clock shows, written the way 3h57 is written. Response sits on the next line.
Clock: 6h24
